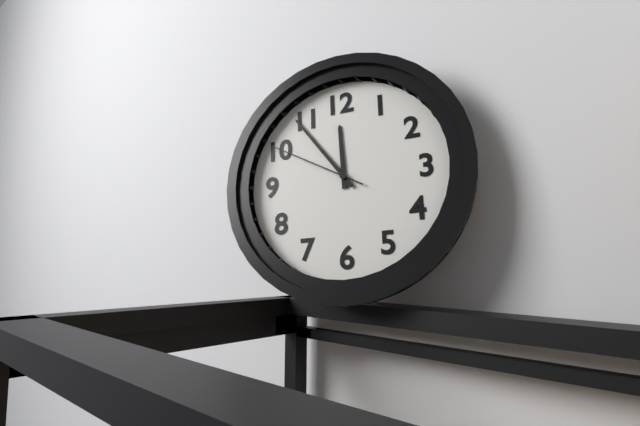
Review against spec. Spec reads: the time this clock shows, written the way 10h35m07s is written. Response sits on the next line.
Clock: 11h54m50s
